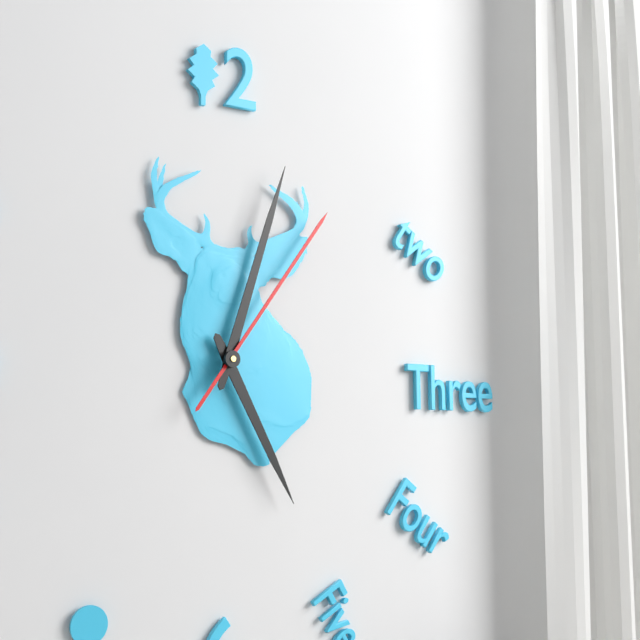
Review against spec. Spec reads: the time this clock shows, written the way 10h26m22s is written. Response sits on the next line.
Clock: 5h03m06s
